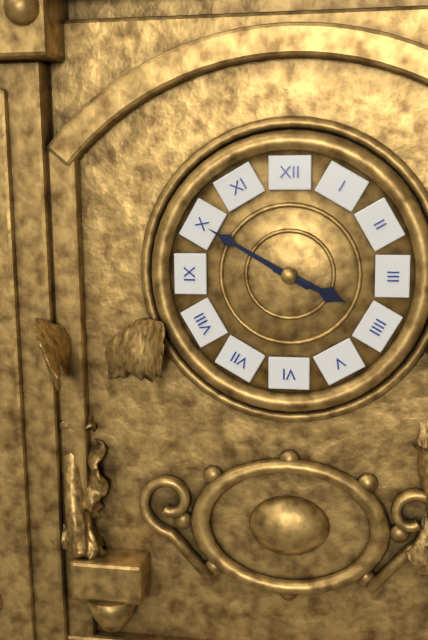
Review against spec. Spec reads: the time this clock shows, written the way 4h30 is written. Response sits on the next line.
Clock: 3h50
